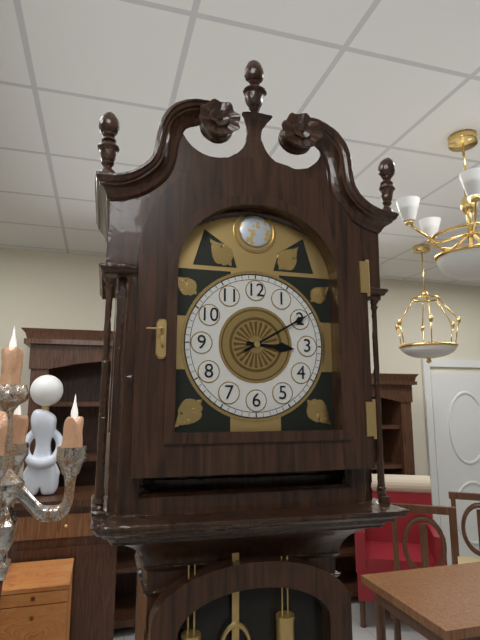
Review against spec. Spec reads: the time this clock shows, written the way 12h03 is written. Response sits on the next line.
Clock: 3h10
